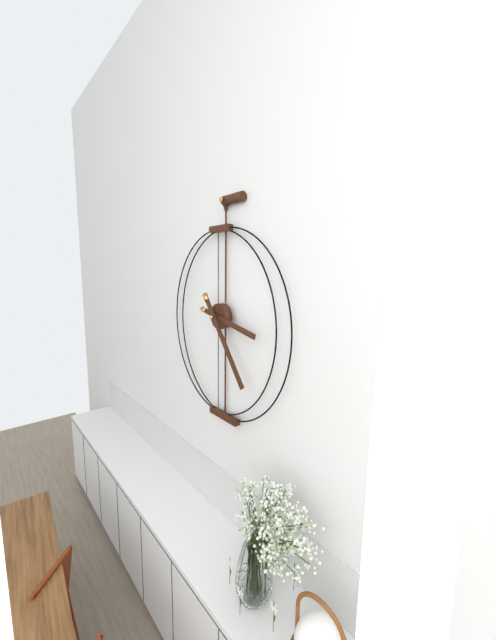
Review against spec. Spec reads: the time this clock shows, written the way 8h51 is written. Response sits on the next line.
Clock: 3h24
